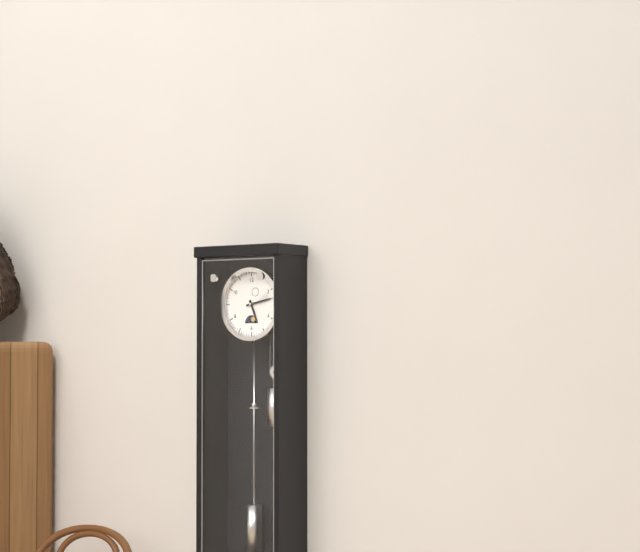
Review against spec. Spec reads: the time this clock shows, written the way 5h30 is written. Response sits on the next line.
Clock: 5h13
